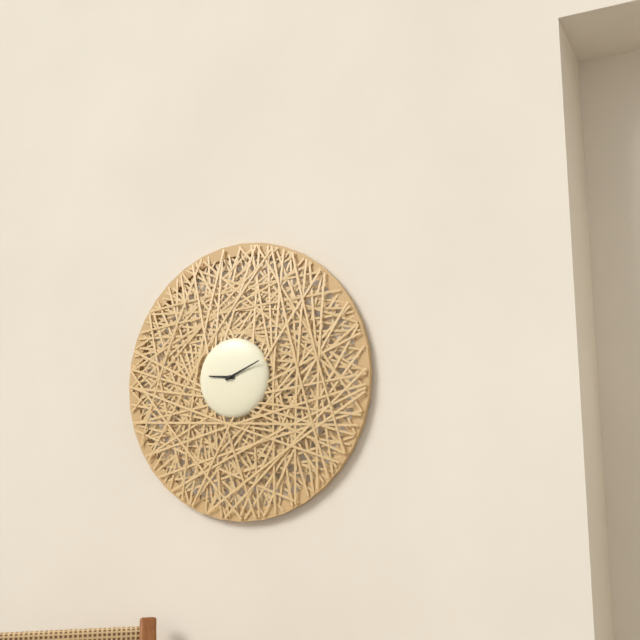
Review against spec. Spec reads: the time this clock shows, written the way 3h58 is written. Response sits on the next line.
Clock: 9h11
